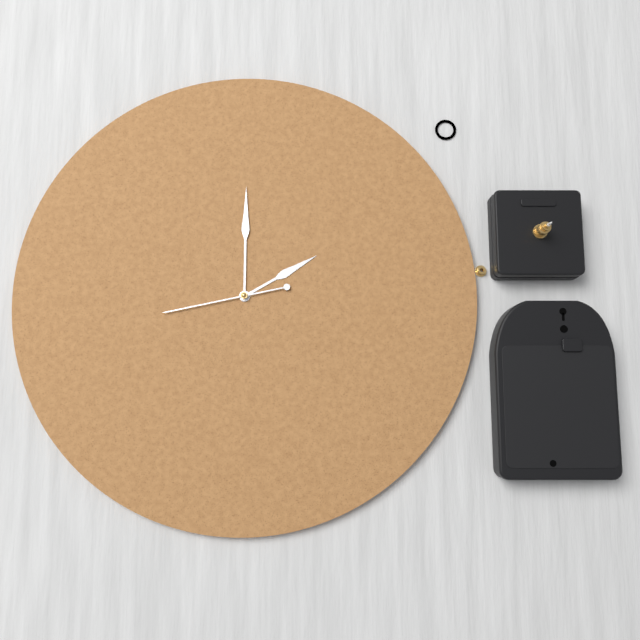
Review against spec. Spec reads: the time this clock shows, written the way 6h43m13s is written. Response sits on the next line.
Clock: 2h00m43s
